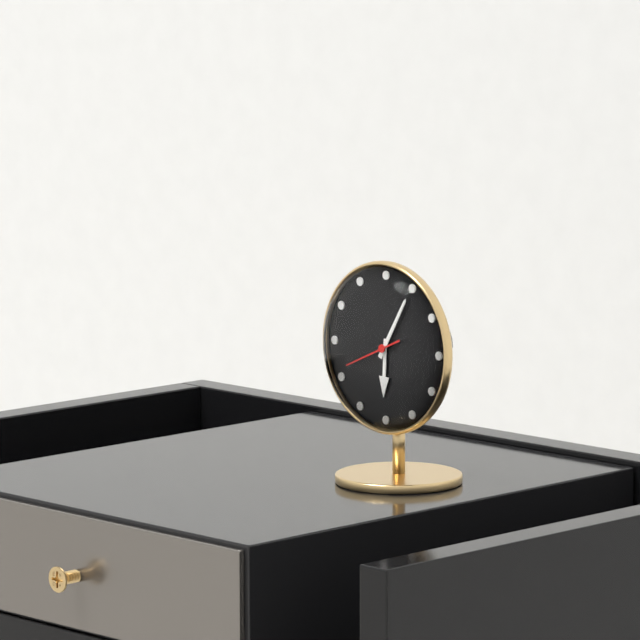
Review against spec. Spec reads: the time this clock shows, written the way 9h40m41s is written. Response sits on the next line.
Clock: 6h05m41s
